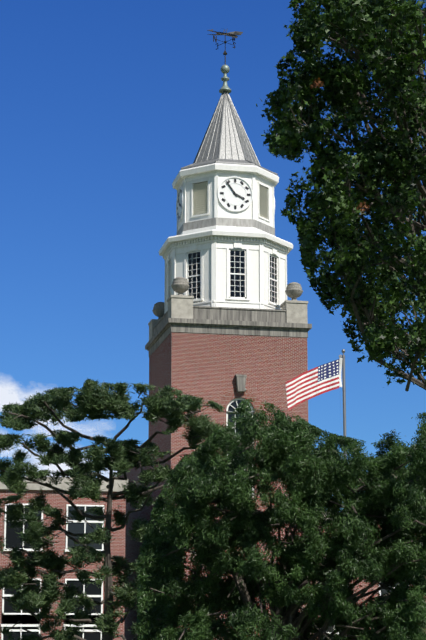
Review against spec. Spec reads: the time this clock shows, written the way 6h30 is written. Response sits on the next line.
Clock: 3h54
